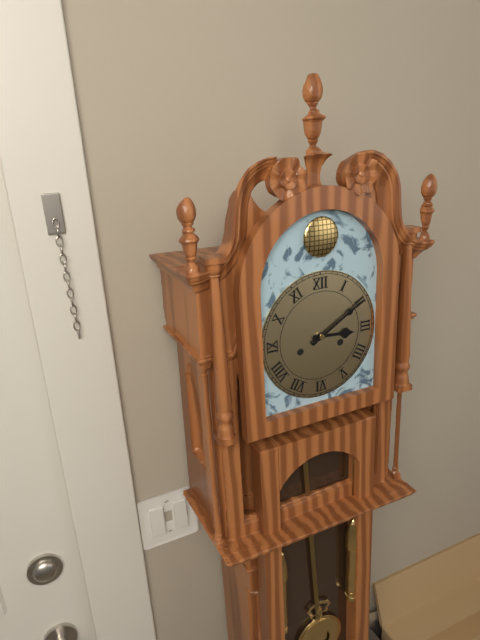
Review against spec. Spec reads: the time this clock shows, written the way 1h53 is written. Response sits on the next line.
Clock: 3h10
